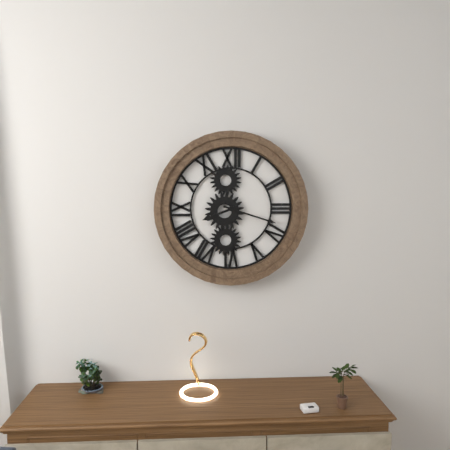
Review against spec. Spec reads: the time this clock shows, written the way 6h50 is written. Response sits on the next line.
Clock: 8h18
